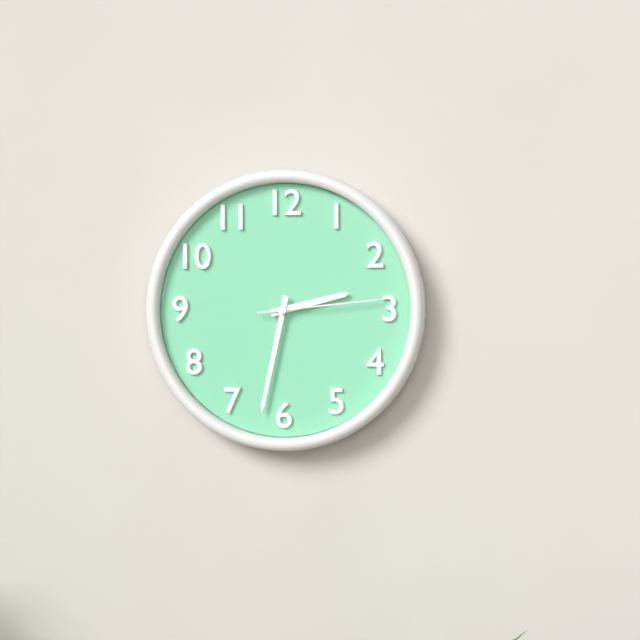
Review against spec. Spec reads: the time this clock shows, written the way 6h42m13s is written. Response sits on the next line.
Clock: 2h32m14s
